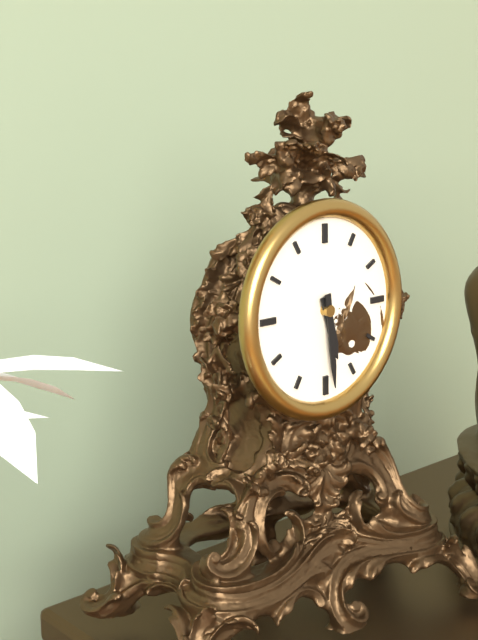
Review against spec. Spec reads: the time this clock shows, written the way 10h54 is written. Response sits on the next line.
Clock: 5h29
